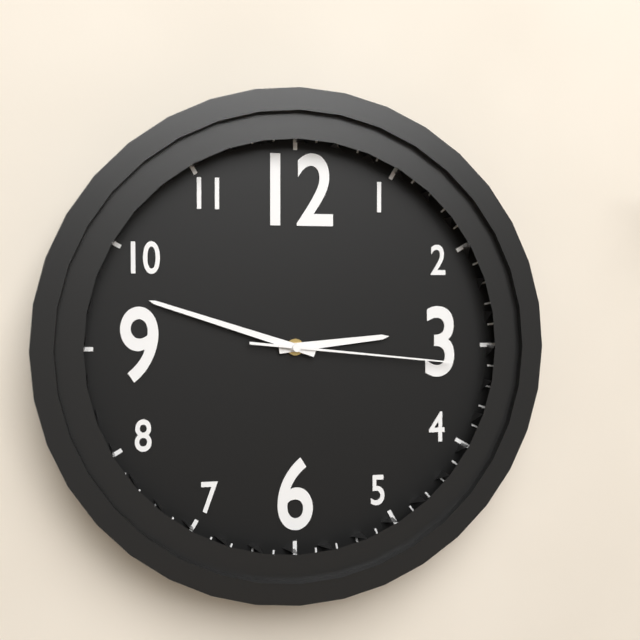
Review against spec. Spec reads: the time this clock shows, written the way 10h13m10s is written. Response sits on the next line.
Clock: 2h48m16s
